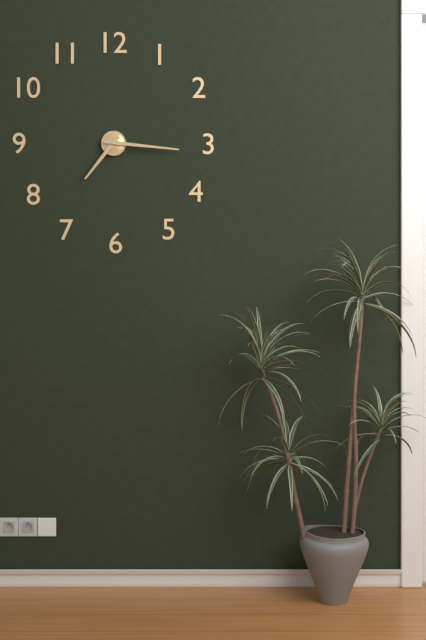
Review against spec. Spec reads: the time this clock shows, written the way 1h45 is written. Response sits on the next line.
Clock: 7h16
